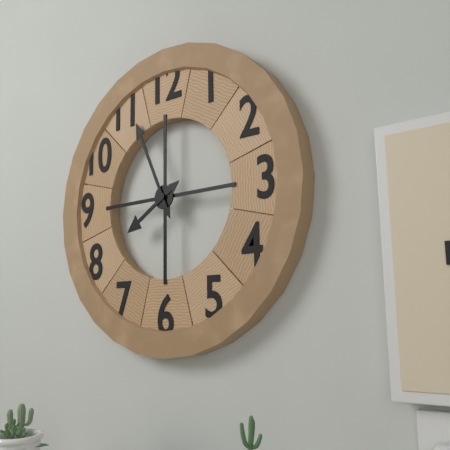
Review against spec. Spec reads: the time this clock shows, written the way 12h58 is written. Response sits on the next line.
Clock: 7h56
